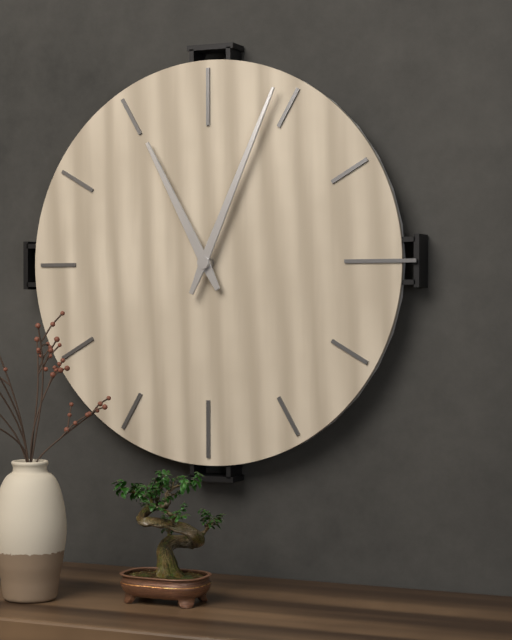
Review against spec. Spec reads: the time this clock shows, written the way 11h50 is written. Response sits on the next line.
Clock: 11h04
